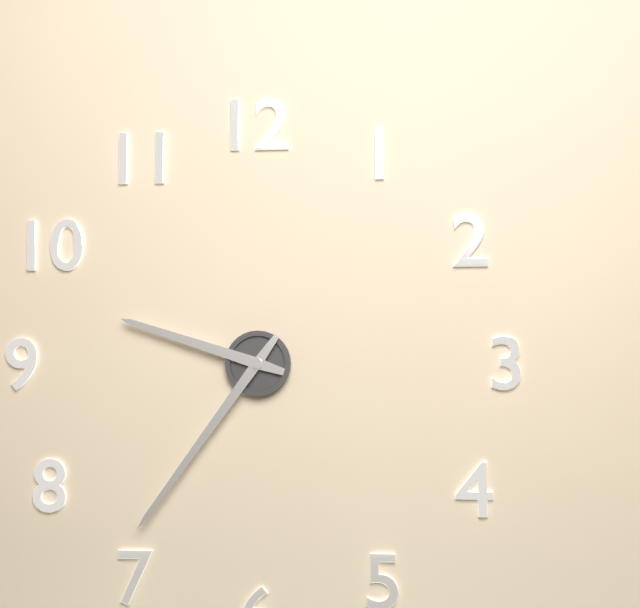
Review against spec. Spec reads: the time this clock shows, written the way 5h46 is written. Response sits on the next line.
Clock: 9h36
